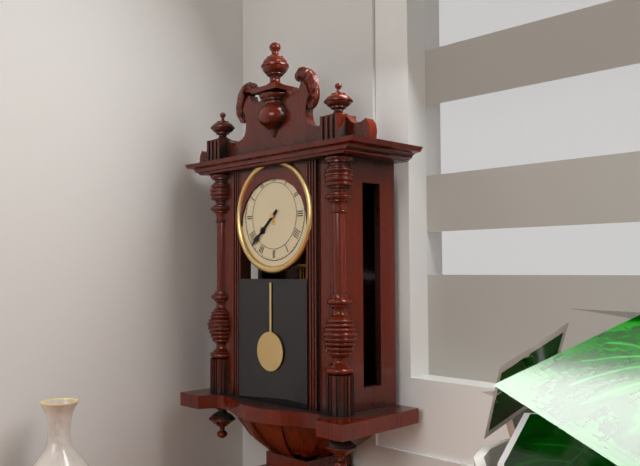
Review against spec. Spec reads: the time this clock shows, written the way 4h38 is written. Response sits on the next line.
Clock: 7h38
